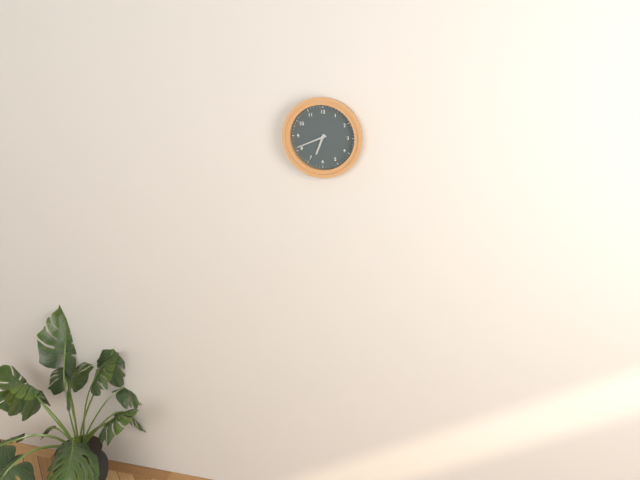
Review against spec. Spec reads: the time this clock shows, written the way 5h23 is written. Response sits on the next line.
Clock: 6h41
